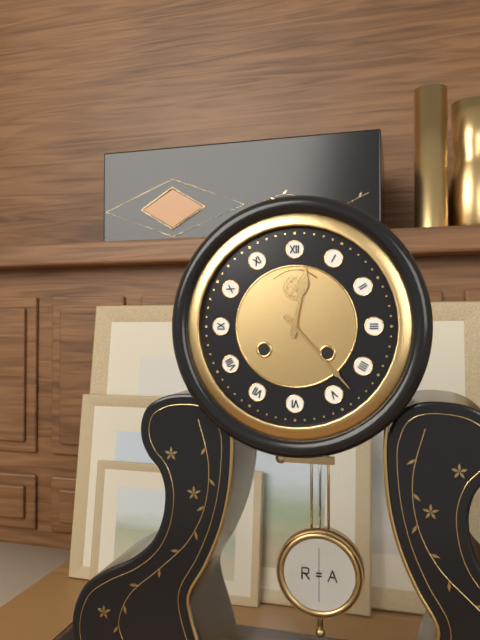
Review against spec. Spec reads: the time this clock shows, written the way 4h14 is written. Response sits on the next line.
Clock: 12h23
